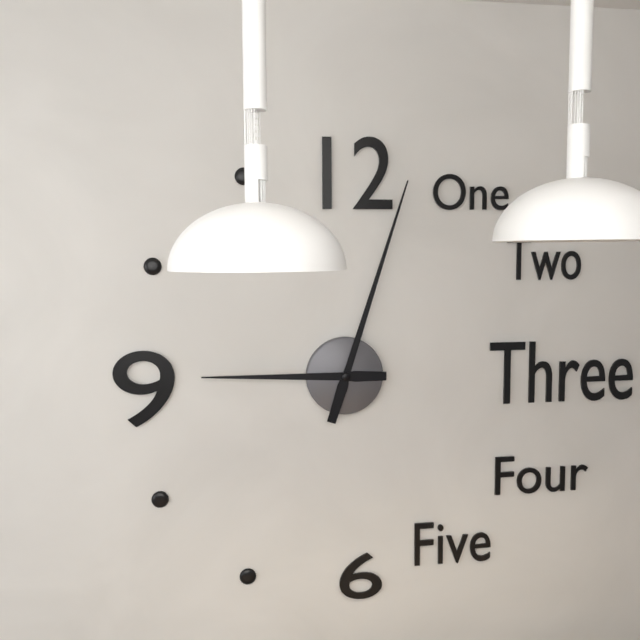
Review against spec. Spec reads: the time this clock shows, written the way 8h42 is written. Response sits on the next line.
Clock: 9h03
